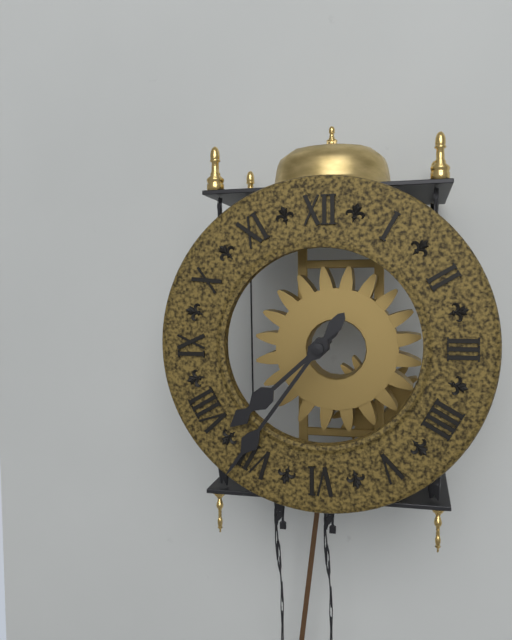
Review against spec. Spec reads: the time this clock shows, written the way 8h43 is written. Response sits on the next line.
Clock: 7h36
